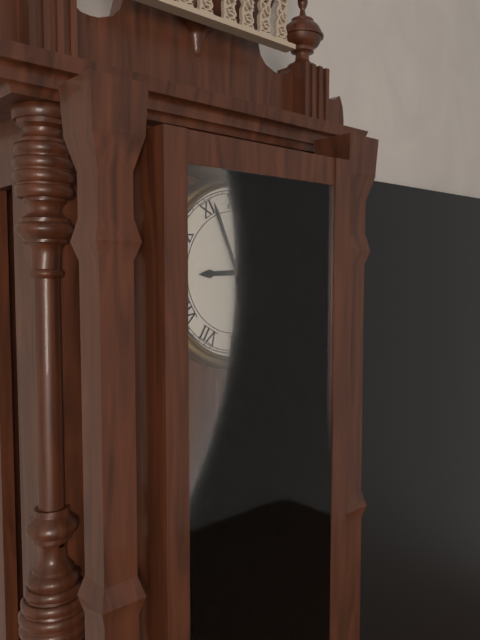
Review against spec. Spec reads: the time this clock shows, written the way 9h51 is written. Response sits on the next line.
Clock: 8h56
